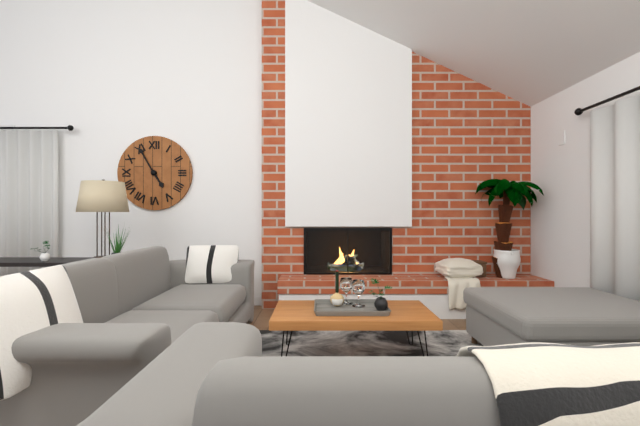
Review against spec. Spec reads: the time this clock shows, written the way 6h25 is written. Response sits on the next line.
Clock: 4h55
